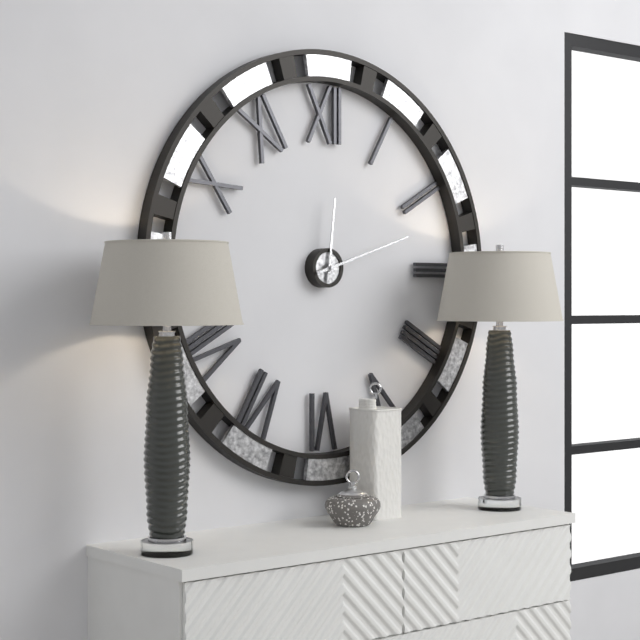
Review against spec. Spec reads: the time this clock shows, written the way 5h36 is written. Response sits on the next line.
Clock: 12h12
